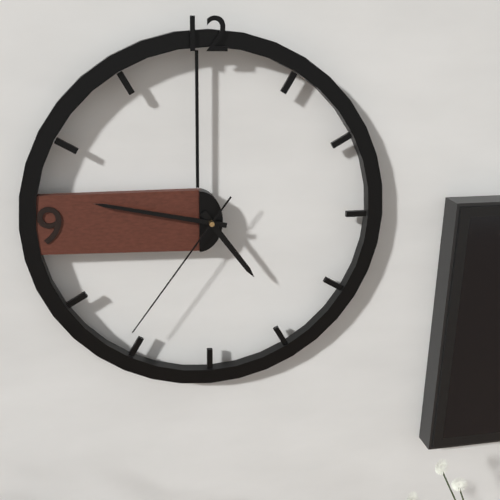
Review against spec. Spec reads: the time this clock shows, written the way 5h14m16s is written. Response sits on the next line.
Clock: 4h47m36s
